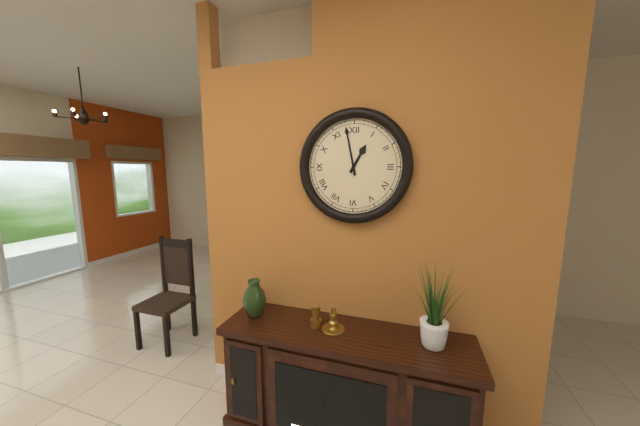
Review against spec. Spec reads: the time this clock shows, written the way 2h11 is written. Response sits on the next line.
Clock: 12h58
